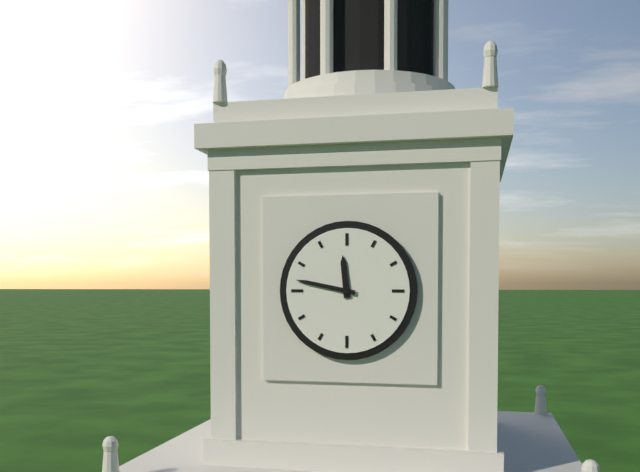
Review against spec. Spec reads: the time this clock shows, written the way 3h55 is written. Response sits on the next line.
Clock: 11h47
